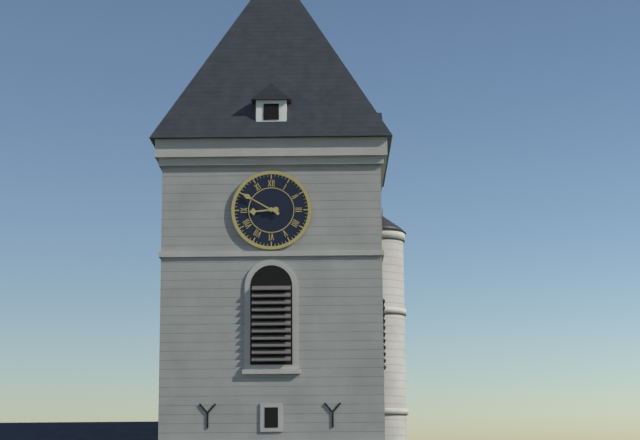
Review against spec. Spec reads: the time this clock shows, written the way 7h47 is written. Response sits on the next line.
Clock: 8h50
